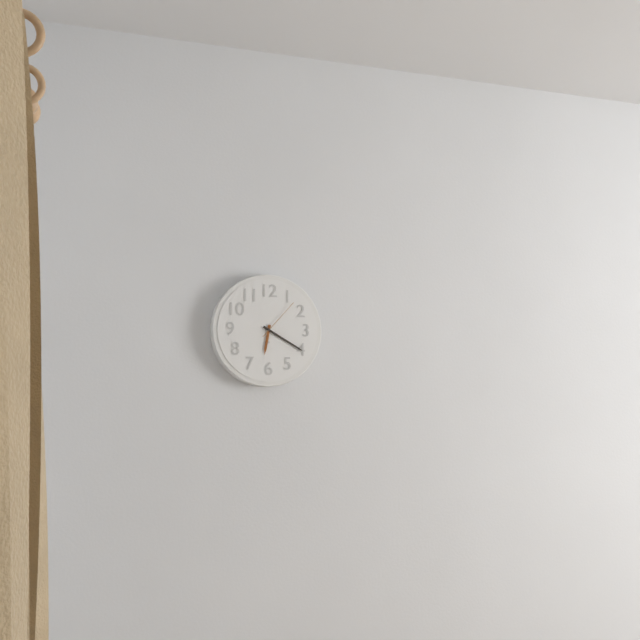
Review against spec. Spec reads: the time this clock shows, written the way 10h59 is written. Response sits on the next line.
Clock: 6h20
